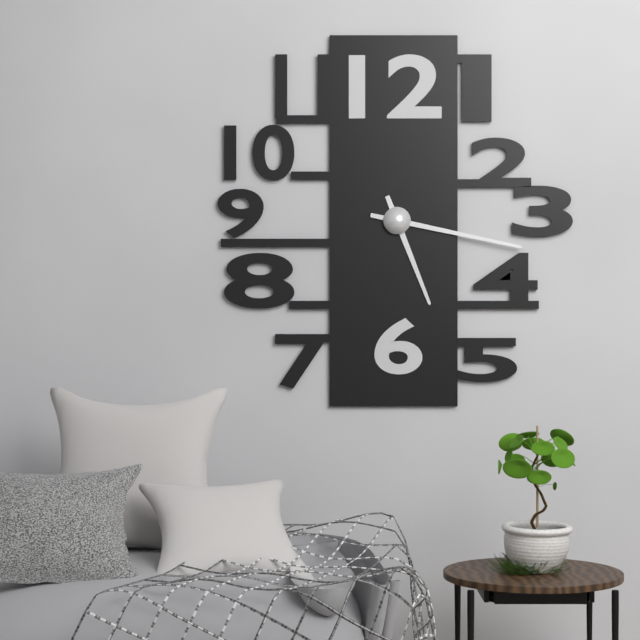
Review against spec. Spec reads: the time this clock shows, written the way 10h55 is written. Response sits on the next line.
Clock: 5h17
